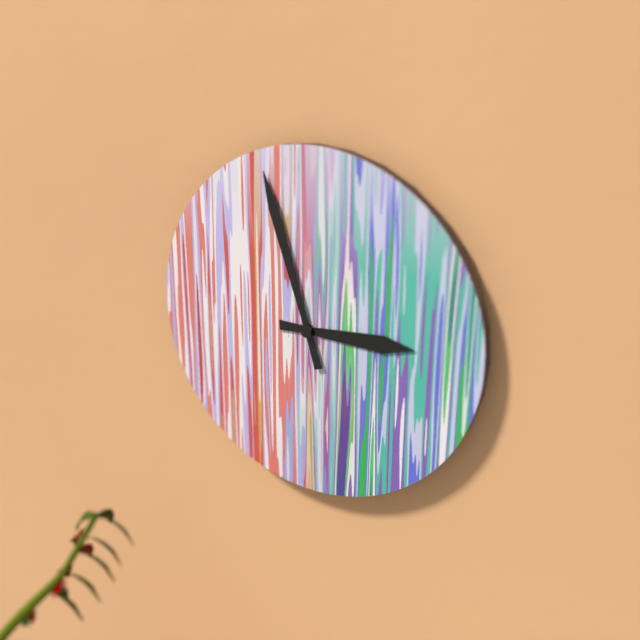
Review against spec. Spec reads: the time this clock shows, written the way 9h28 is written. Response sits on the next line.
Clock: 2h57
